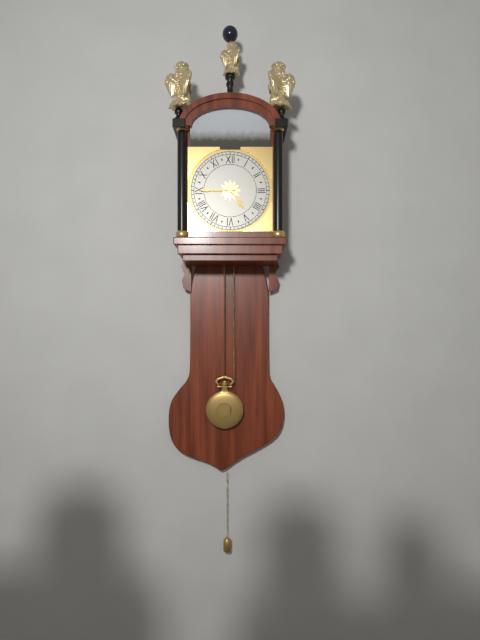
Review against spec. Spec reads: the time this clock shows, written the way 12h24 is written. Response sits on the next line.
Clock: 4h45
